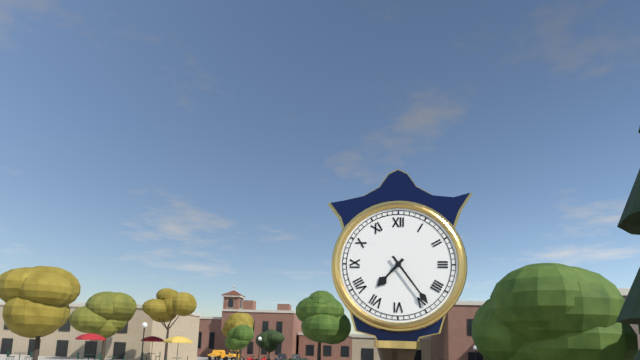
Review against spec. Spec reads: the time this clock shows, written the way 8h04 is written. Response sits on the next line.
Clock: 7h24
